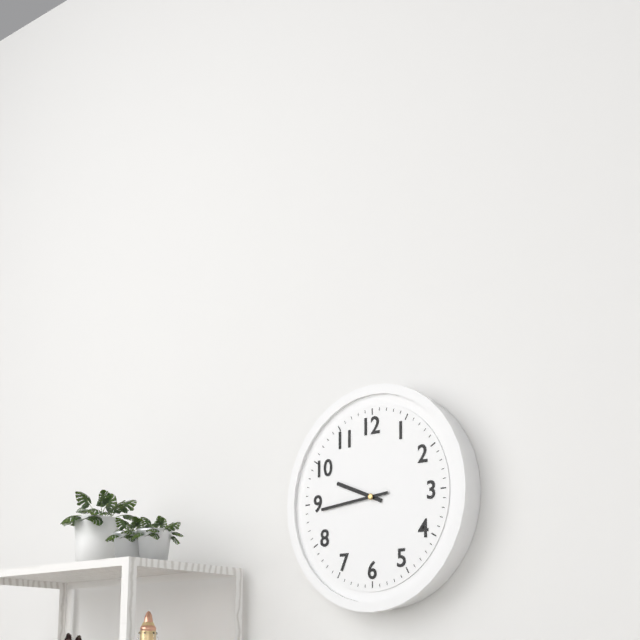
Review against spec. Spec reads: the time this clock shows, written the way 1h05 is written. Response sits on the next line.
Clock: 9h44
